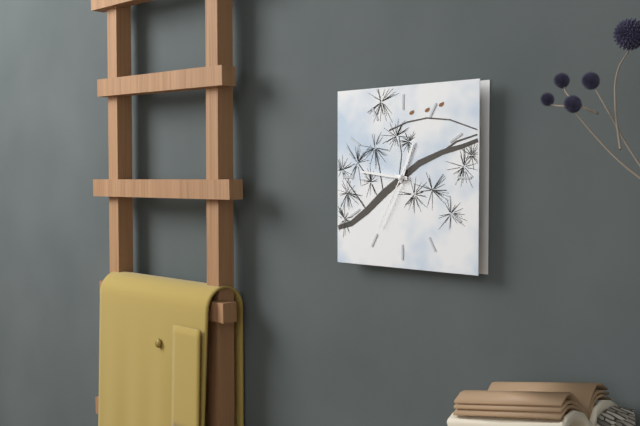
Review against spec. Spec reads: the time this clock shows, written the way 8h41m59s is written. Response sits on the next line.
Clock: 12h46m35s
